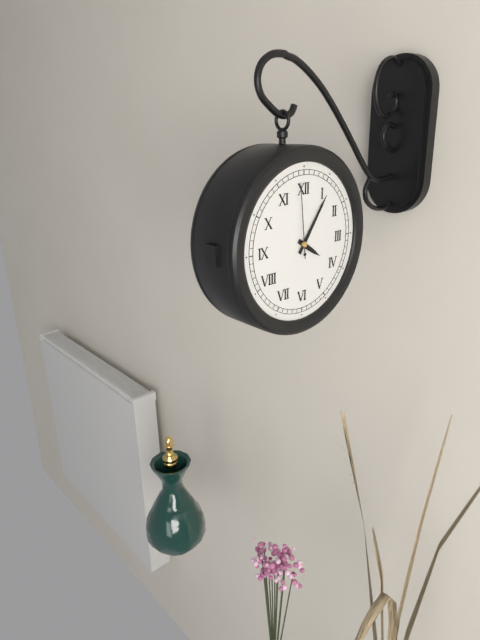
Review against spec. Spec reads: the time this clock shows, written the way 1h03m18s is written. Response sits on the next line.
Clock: 4h06m59s
